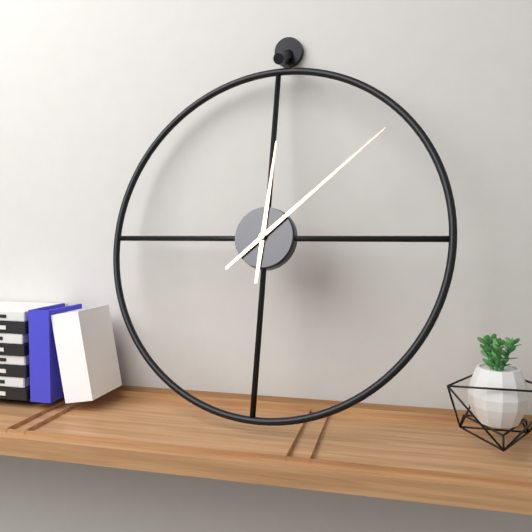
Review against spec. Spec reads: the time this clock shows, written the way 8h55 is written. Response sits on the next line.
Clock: 12h08
